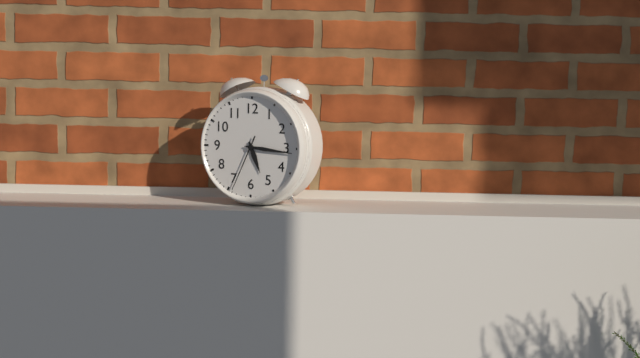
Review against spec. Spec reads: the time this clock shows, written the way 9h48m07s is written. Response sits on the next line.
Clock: 5h16m34s
